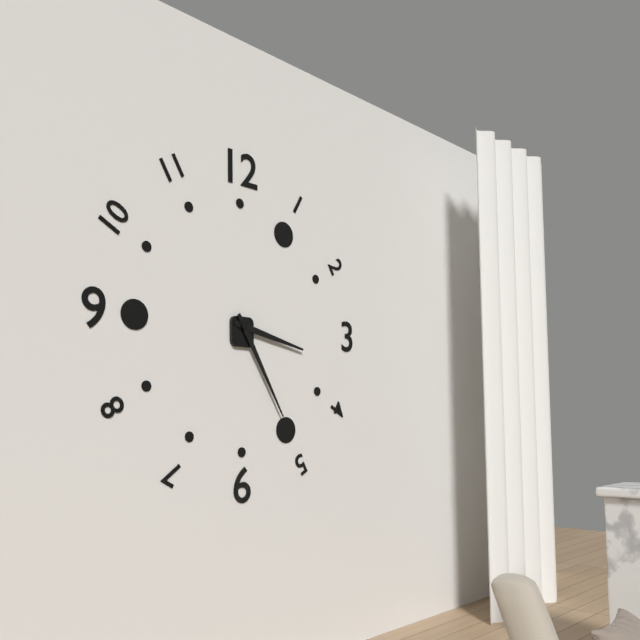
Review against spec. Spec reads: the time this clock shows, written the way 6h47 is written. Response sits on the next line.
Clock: 3h25
